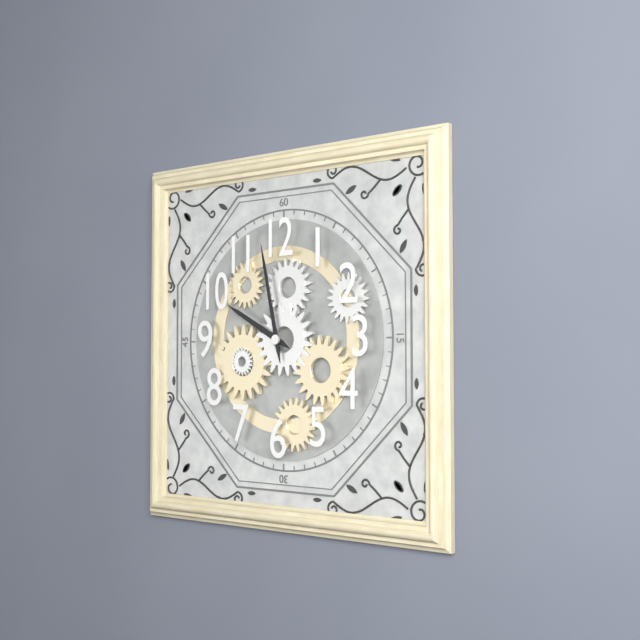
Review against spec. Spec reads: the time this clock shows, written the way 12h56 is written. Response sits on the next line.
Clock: 9h58
